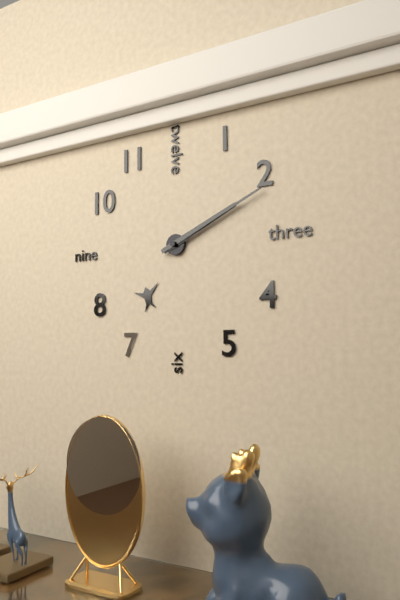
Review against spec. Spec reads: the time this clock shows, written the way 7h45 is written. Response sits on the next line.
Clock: 2h11
